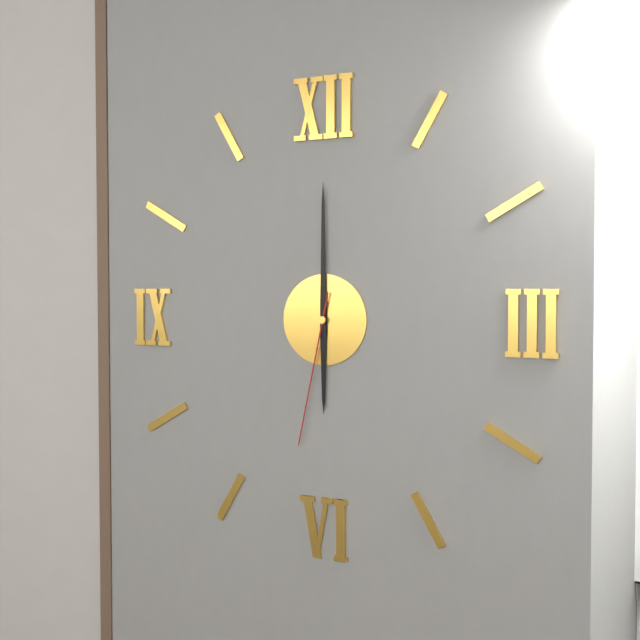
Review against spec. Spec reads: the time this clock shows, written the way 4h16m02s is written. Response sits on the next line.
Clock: 6h00m32s
